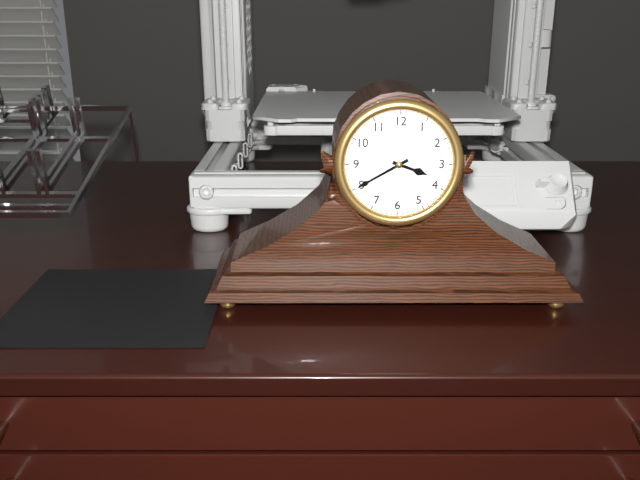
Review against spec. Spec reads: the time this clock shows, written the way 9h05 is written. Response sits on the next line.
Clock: 3h40
